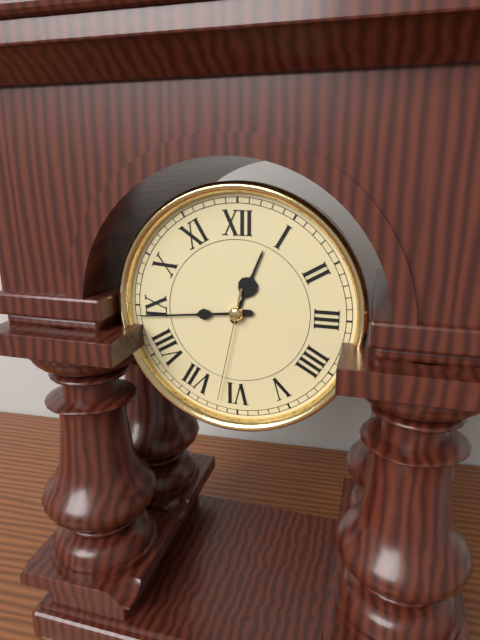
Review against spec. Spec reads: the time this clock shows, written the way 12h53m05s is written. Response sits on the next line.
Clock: 12h44m32s
